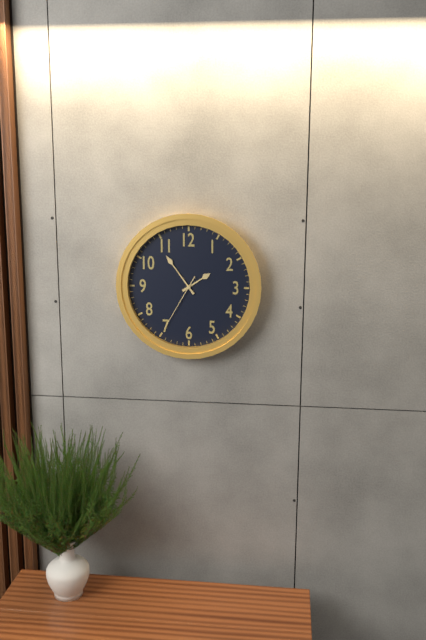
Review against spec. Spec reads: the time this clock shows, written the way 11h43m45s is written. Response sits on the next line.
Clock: 1h54m35s
